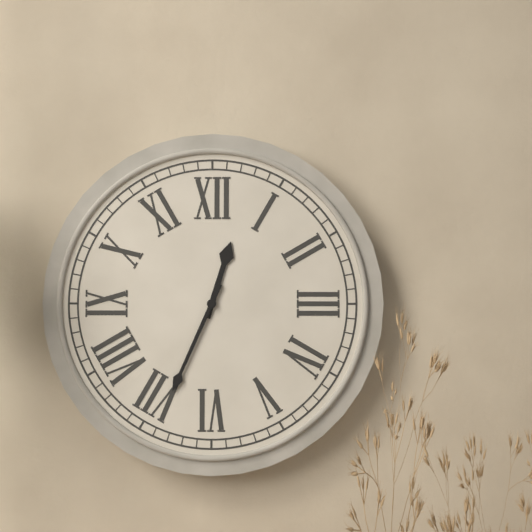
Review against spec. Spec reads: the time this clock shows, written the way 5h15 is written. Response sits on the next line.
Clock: 12h34
